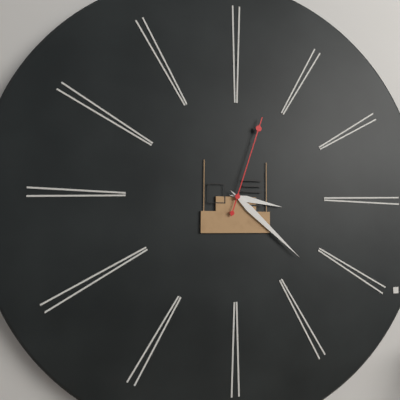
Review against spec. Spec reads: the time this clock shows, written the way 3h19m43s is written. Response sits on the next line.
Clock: 3h22m03s
